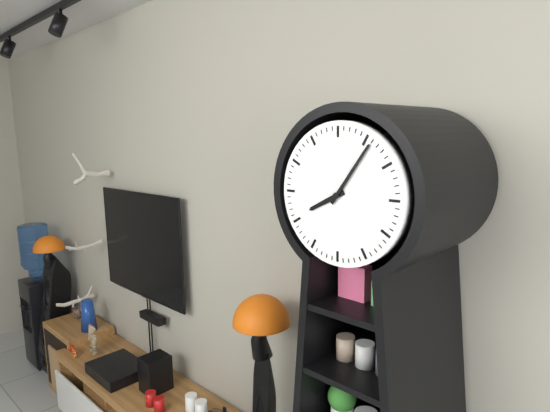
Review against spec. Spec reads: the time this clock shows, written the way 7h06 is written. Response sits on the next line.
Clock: 8h06
